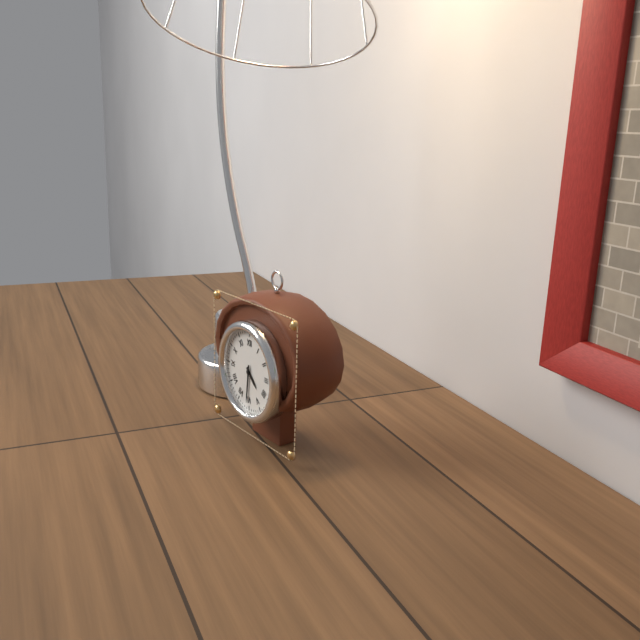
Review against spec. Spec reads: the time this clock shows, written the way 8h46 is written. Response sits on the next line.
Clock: 4h31
